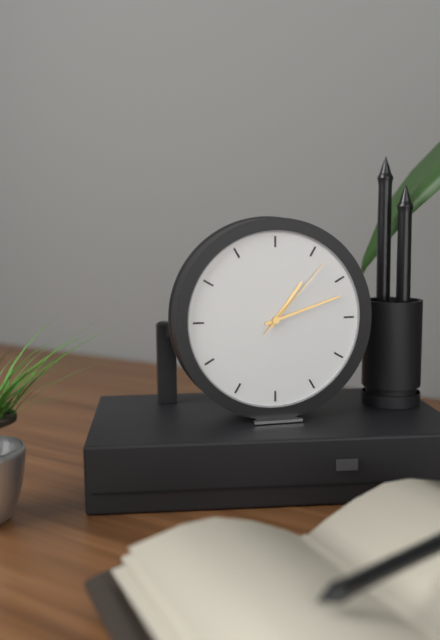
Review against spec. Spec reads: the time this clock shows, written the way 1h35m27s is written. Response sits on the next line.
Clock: 1h12m07s
